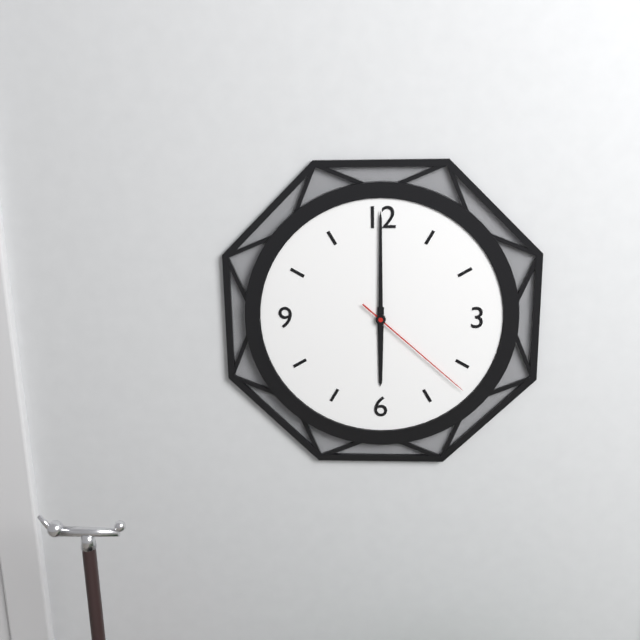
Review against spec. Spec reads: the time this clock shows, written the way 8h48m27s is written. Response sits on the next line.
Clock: 6h00m22s
